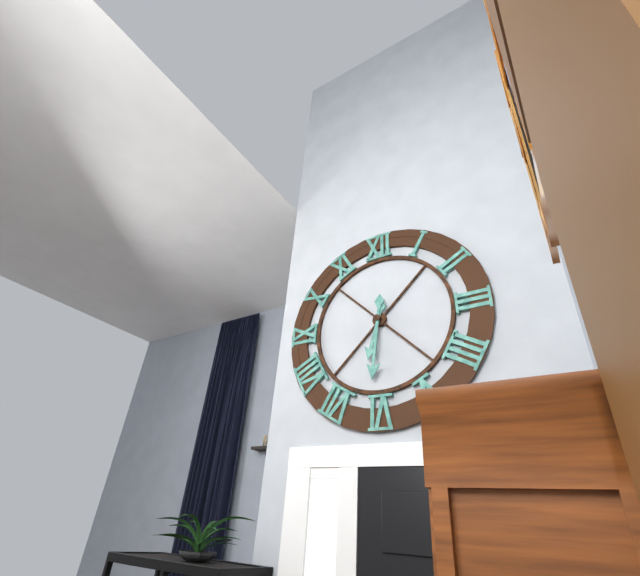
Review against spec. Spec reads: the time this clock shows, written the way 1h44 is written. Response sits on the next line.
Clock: 6h31
